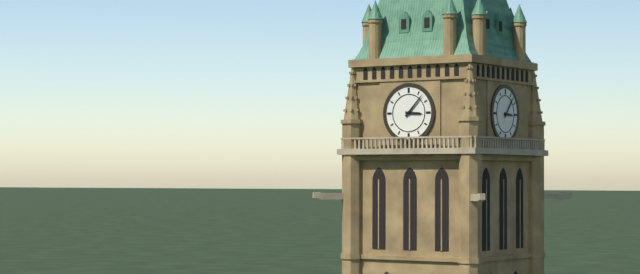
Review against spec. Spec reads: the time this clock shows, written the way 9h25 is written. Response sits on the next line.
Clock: 3h07
